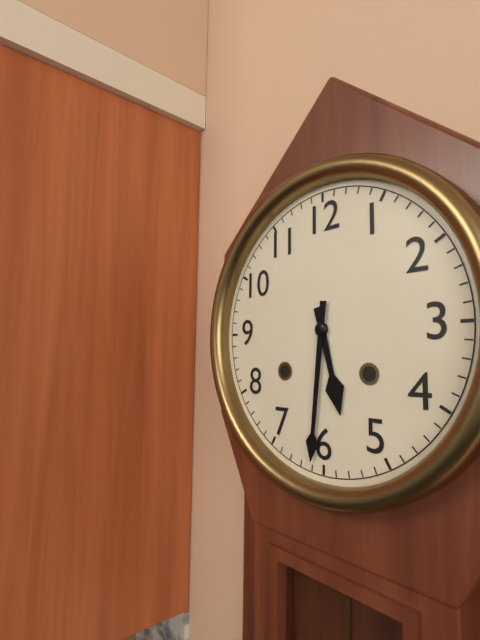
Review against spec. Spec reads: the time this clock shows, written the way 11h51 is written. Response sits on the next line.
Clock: 5h31
